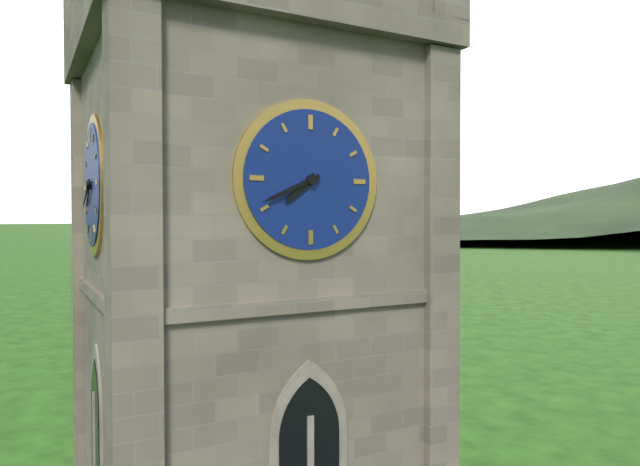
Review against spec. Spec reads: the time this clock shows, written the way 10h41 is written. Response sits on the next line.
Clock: 7h41
